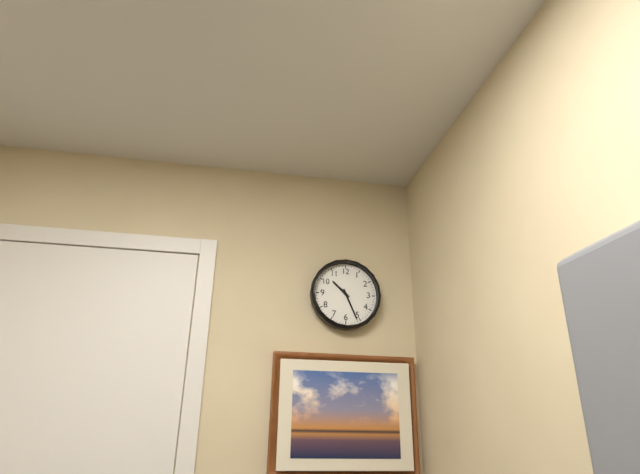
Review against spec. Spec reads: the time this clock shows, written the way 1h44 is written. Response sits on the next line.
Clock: 10h26
